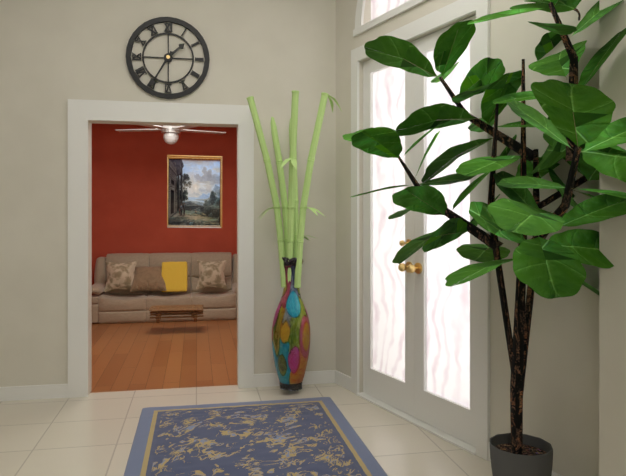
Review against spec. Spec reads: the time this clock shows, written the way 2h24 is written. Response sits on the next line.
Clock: 1h35
